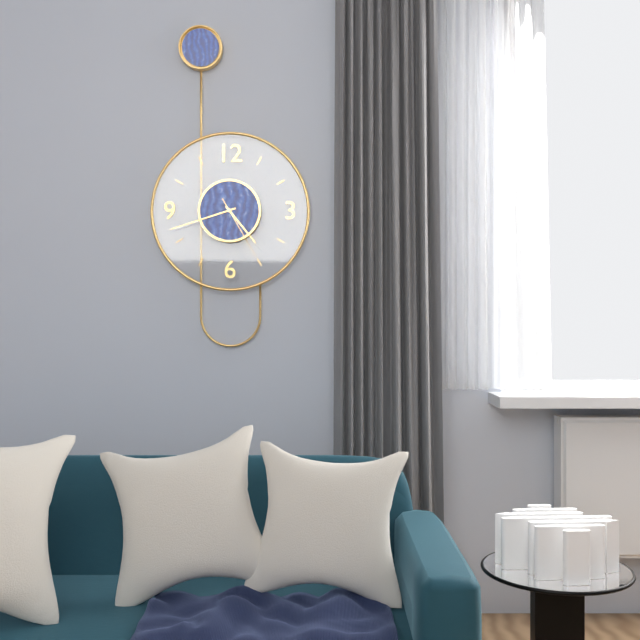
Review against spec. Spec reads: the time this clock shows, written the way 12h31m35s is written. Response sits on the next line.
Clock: 4h42m25s
